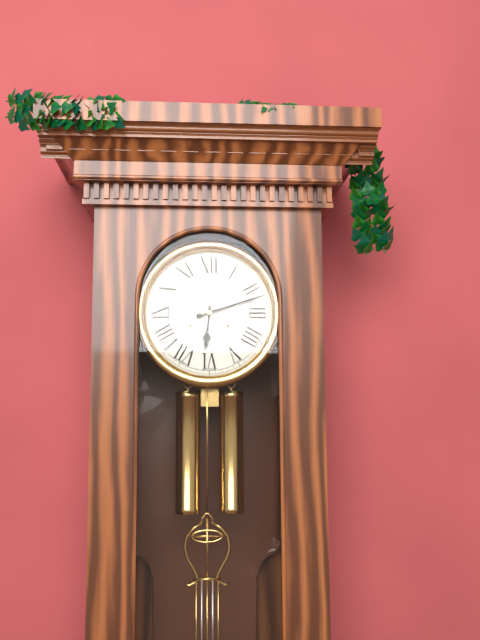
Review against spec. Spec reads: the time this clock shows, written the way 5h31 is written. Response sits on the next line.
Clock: 6h12
